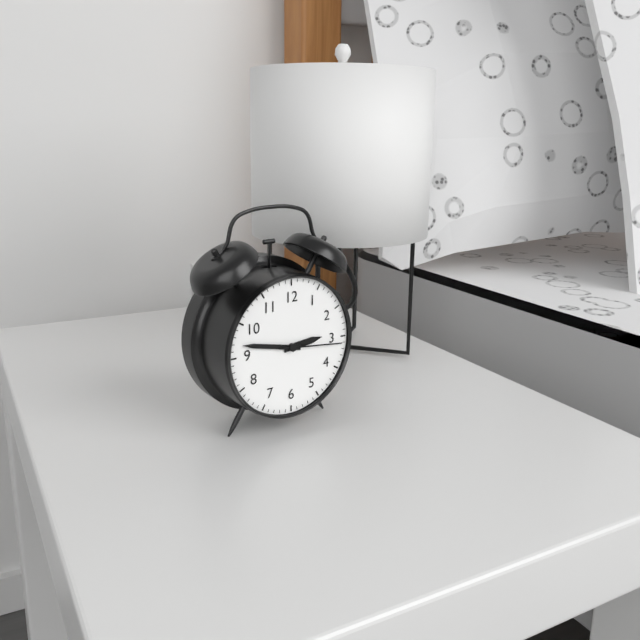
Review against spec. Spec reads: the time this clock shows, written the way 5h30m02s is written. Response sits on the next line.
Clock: 2h47m16s
